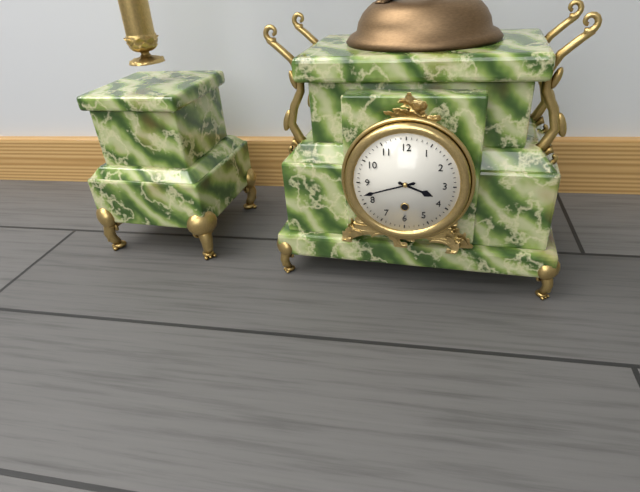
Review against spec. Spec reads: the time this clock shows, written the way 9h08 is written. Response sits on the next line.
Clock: 3h42
